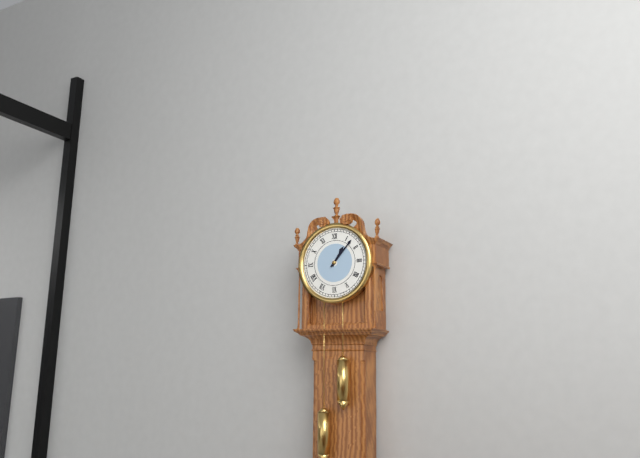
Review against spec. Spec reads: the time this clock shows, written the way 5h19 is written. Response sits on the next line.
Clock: 1h07
